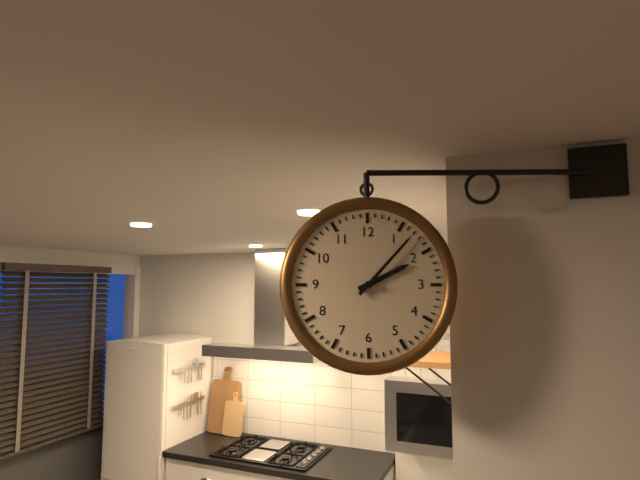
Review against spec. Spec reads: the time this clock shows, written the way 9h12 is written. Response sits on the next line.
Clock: 2h07
